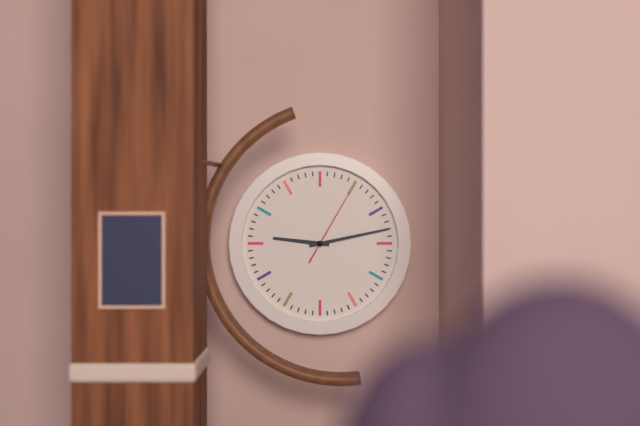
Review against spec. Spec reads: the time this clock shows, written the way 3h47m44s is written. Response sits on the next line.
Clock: 9h13m05s
